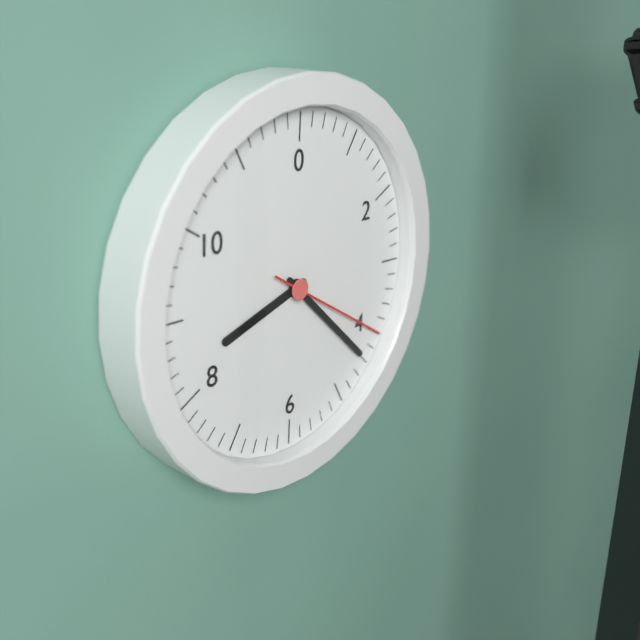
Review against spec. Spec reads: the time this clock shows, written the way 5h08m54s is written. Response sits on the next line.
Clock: 8h22m20s
